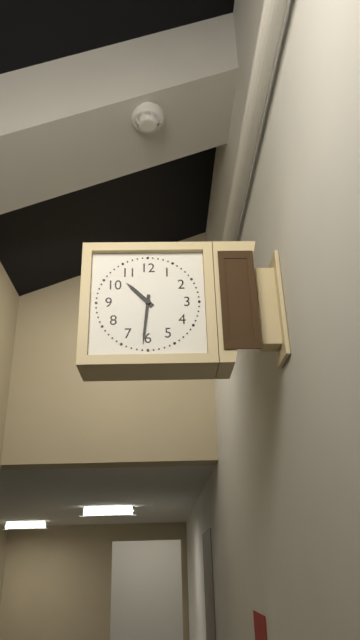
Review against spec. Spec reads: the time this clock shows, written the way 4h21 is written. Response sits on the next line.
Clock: 10h31
